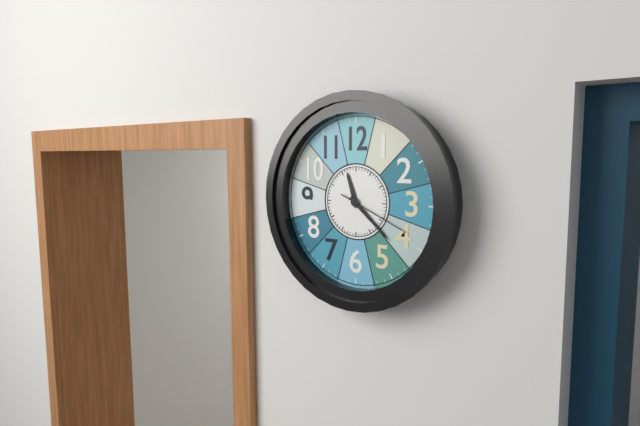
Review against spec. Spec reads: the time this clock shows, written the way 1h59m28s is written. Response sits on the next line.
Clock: 11h22m19s
